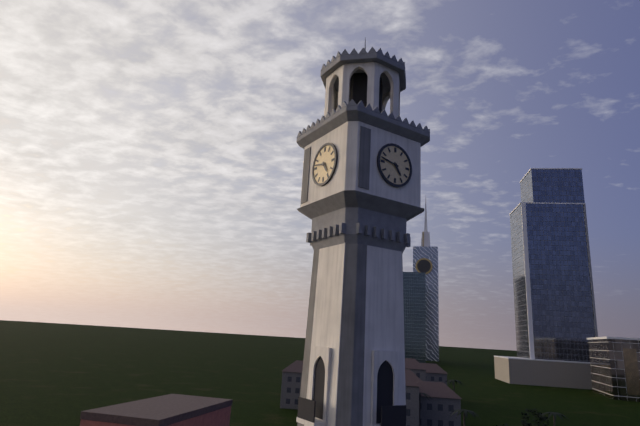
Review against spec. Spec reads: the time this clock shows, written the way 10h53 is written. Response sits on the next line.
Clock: 4h47
